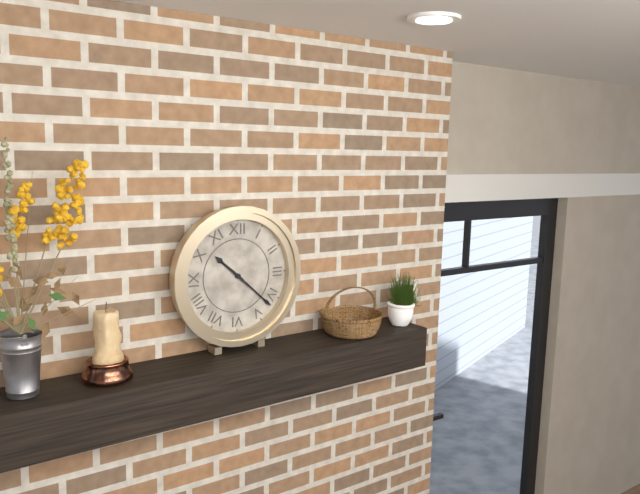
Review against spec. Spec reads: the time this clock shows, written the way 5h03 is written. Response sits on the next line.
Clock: 10h22
